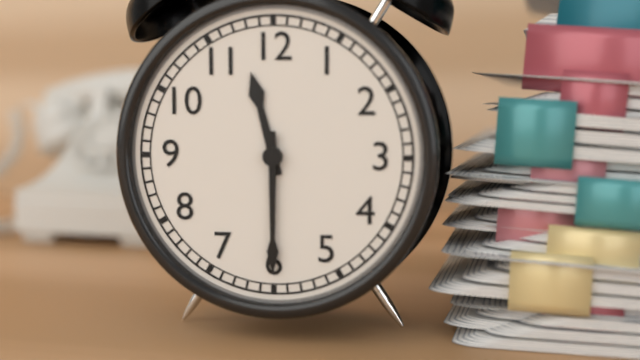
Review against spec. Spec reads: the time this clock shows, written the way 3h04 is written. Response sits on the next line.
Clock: 11h30
